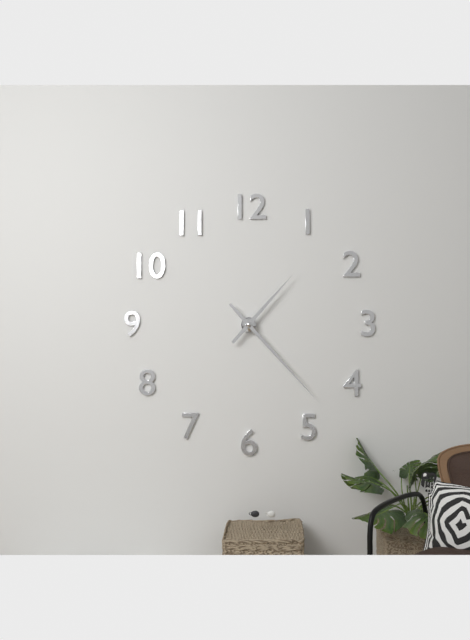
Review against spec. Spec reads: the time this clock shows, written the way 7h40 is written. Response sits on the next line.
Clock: 1h23
